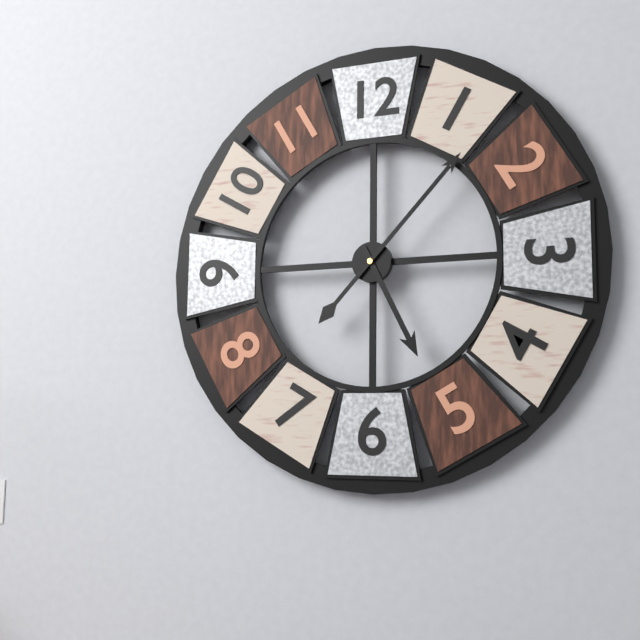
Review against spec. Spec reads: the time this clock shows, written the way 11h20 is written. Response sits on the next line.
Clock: 5h07
